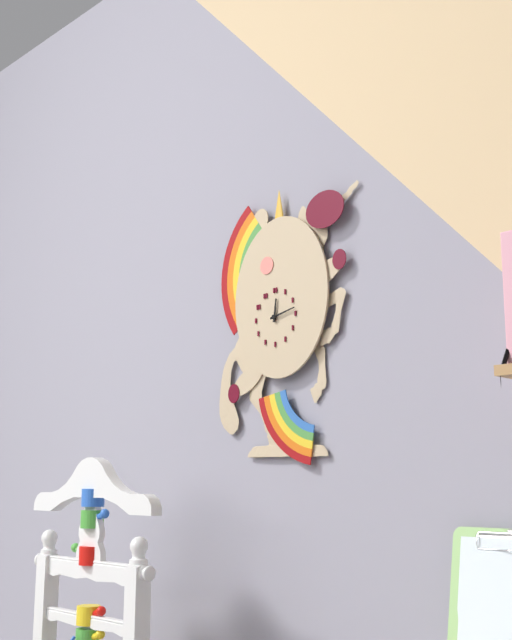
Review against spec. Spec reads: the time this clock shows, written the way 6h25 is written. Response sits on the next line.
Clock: 12h13
